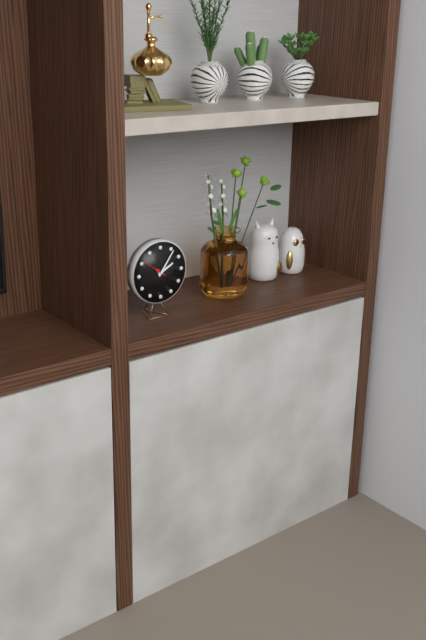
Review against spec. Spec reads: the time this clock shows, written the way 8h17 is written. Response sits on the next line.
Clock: 2h06
